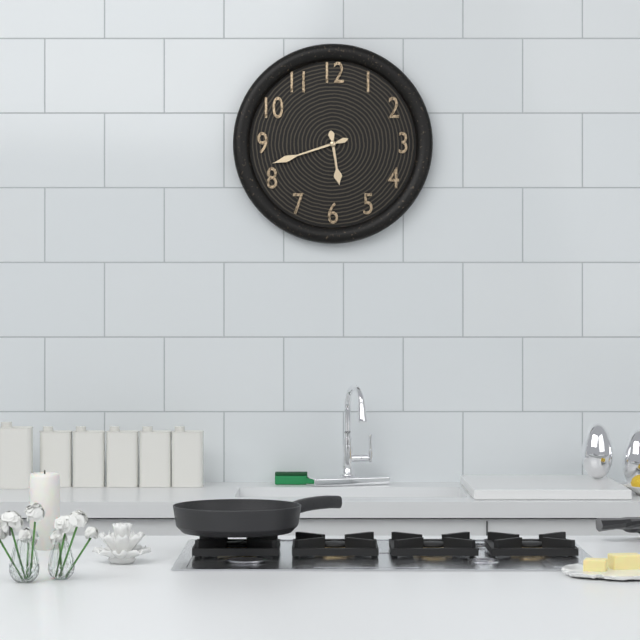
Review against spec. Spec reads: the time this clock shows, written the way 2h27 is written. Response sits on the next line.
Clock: 5h42
